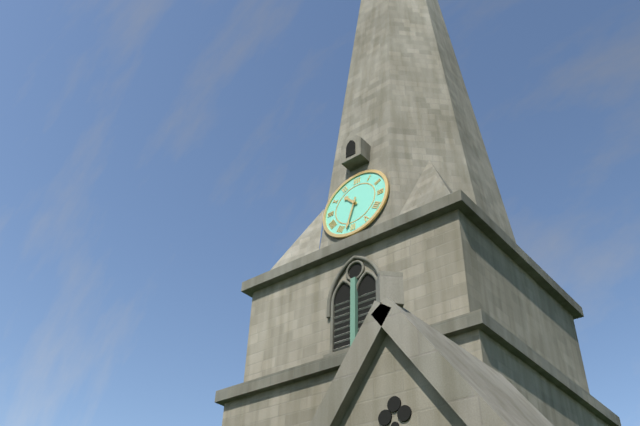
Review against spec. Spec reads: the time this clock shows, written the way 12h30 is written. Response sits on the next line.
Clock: 10h32
